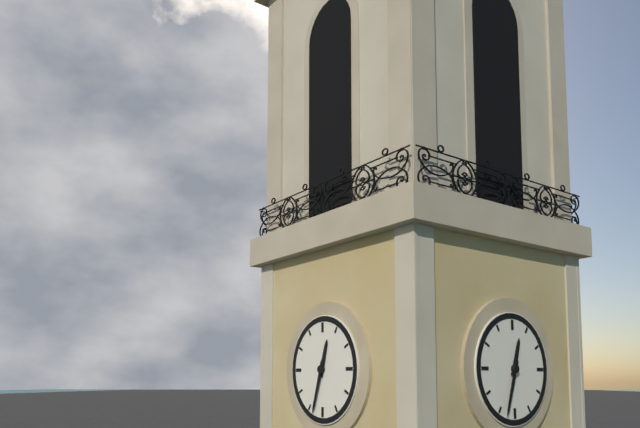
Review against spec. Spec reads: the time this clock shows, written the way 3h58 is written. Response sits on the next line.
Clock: 12h33
